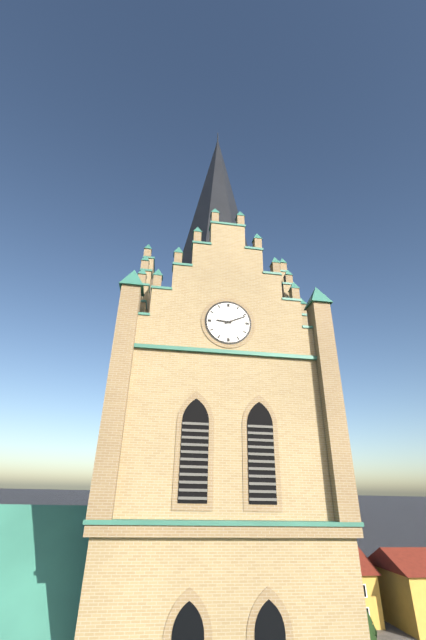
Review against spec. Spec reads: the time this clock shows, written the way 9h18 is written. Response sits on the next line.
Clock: 9h11
